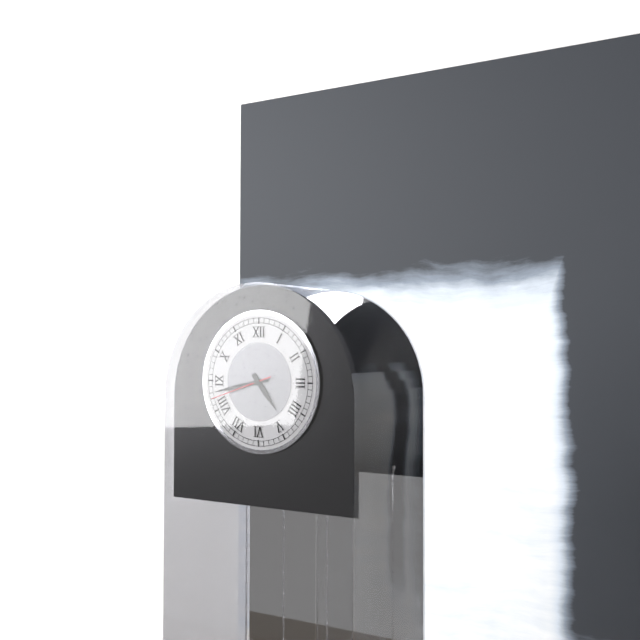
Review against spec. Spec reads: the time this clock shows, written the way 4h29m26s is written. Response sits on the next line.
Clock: 4h43m42s
